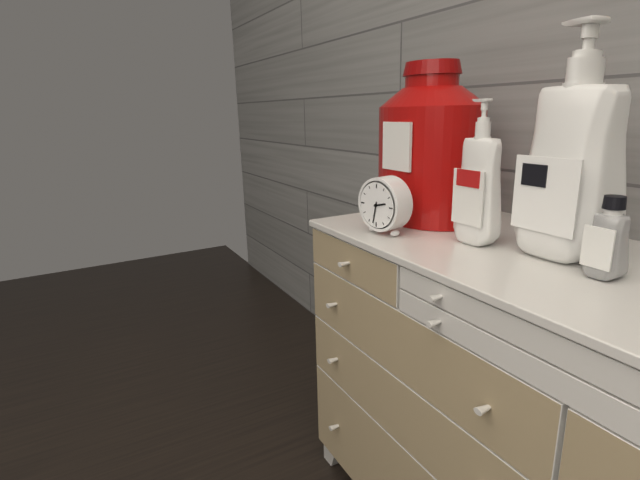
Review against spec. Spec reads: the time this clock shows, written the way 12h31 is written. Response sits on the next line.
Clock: 2h32
